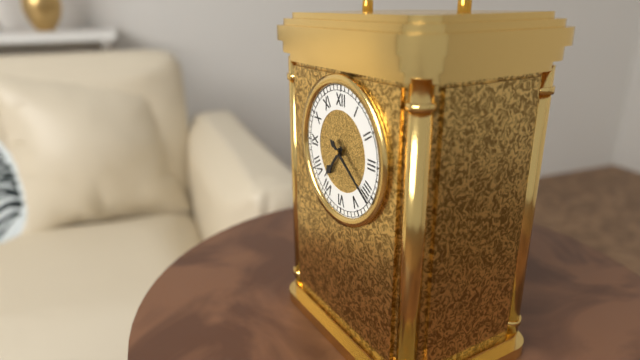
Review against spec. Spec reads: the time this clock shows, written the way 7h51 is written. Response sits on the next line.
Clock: 7h21
